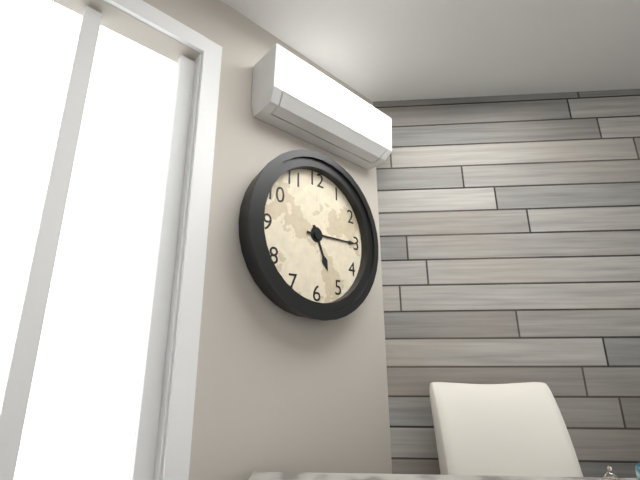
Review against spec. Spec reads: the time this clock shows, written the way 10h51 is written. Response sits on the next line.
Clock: 5h15
